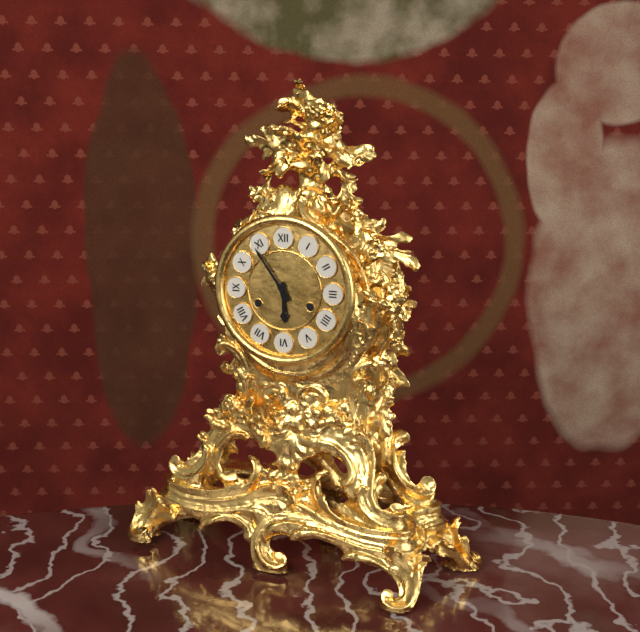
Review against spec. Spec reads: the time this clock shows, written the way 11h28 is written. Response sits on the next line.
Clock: 5h54
